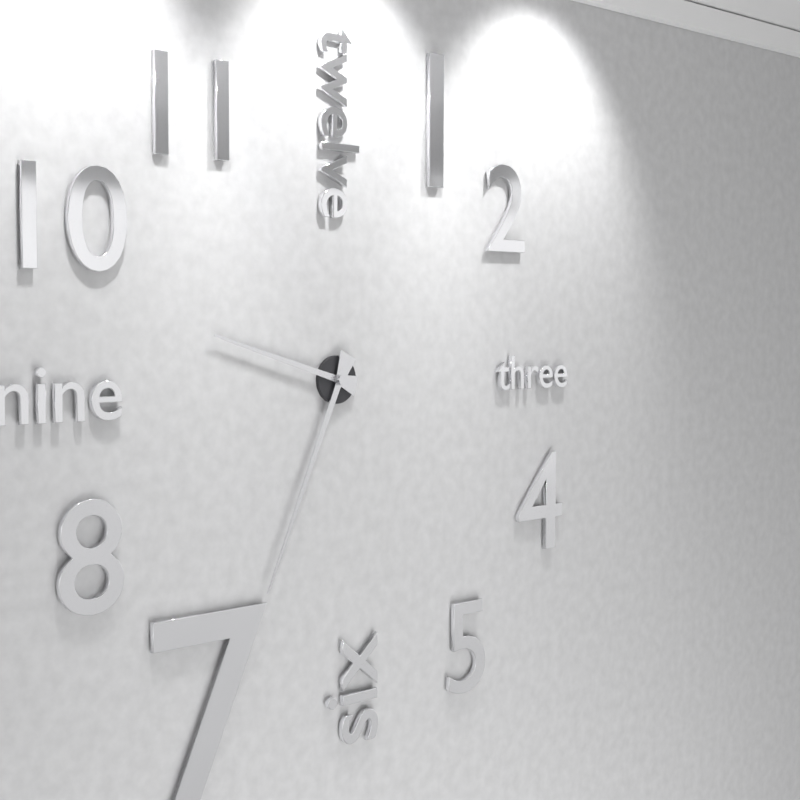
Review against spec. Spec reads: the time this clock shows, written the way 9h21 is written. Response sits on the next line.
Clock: 9h34
